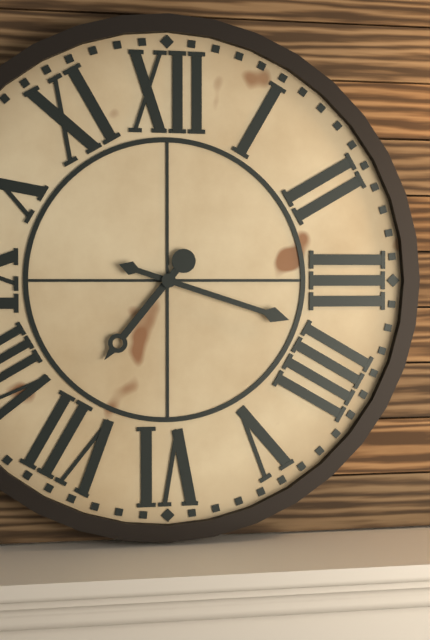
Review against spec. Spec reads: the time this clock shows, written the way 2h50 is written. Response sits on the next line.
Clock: 7h18
